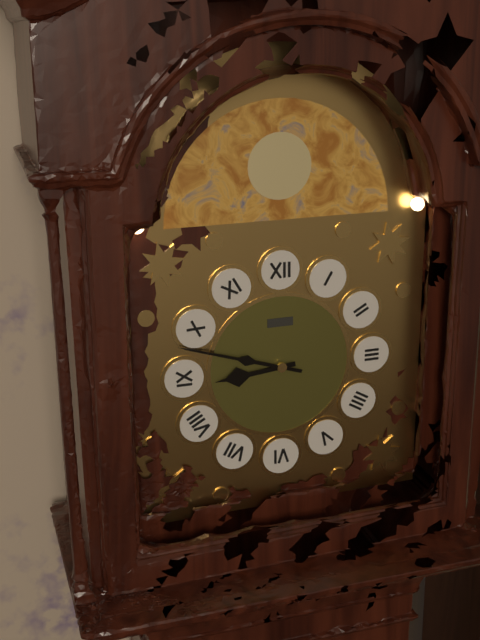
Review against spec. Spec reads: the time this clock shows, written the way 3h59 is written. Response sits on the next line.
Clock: 8h48
